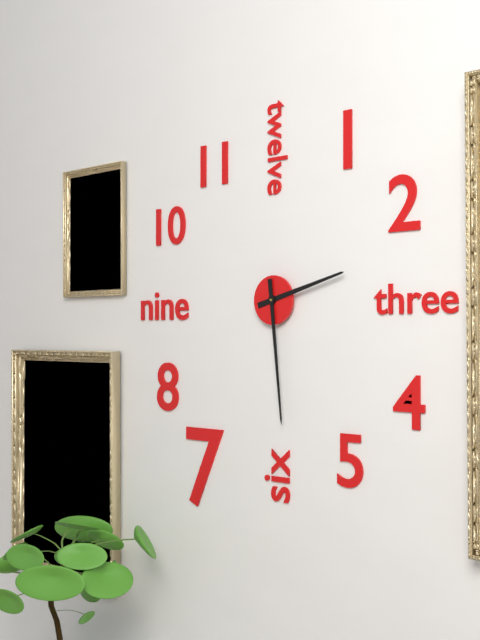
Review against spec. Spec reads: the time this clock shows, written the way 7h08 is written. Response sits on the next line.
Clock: 2h29
